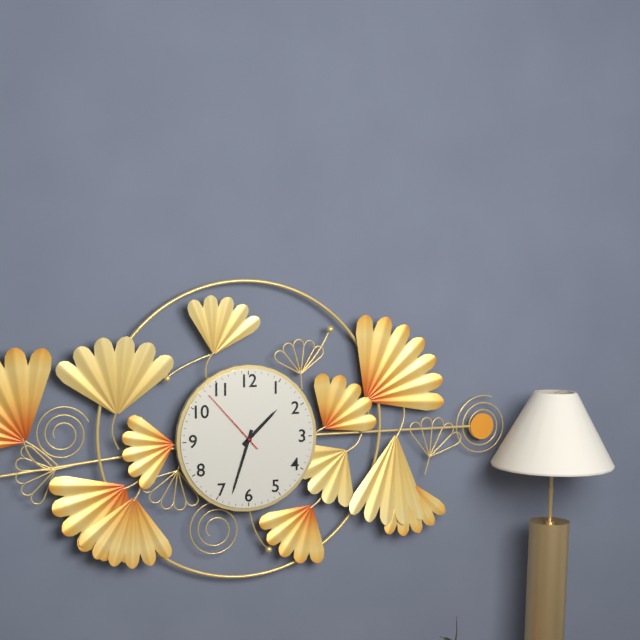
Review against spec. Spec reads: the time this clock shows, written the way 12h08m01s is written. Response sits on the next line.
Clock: 1h33m53s
